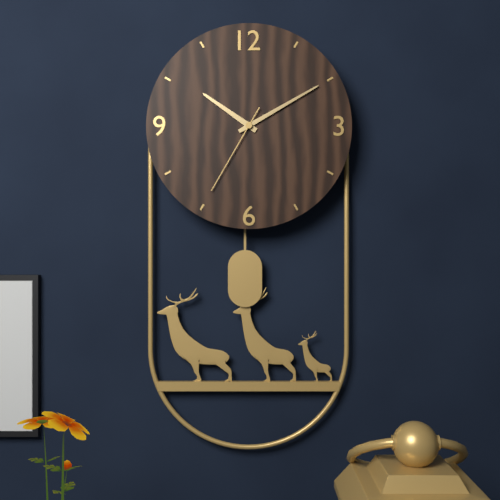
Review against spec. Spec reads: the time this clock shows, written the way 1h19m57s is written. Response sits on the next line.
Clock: 10h10m35s
